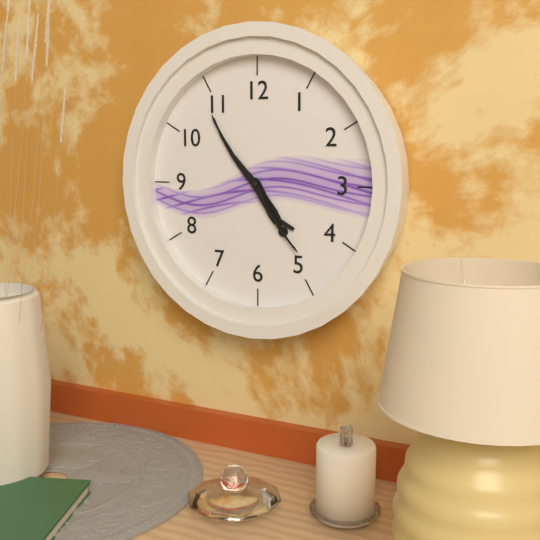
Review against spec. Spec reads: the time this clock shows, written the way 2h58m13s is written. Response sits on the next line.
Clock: 4h54m24s
